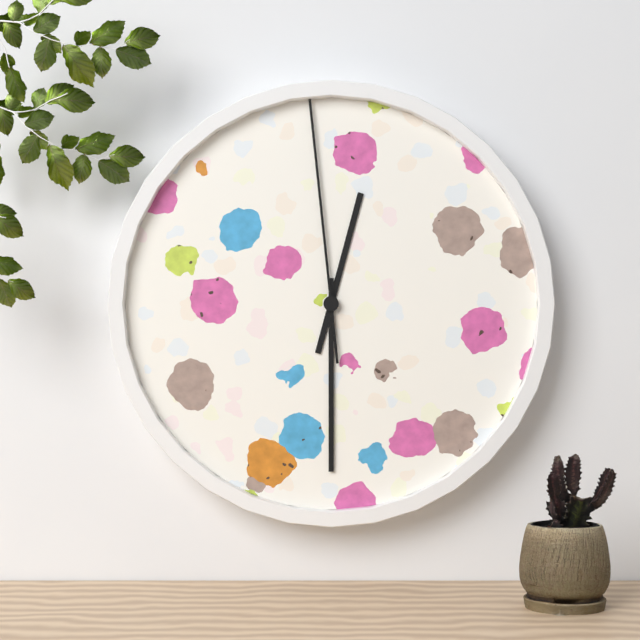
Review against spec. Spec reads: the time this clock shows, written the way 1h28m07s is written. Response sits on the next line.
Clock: 12h30m59s
